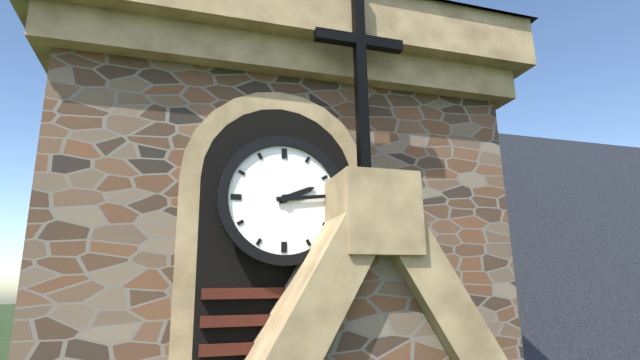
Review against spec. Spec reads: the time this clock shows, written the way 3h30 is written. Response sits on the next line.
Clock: 2h14
